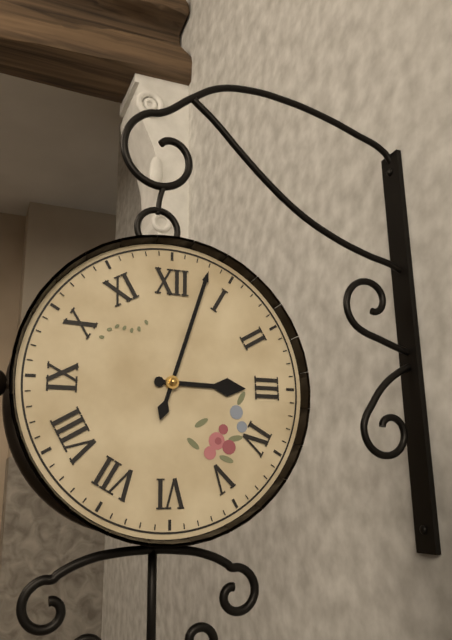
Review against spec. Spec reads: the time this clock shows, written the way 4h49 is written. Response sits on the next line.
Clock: 3h03
